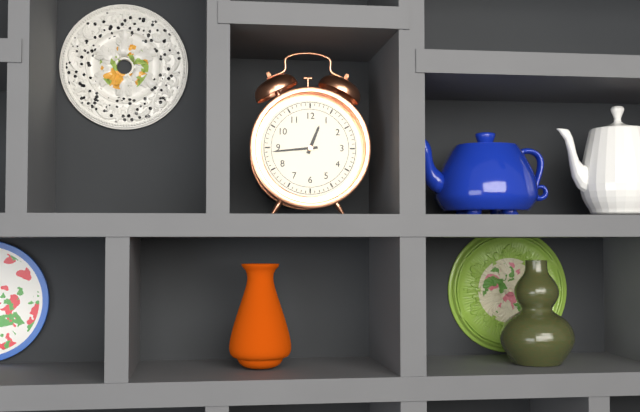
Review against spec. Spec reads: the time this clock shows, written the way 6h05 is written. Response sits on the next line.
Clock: 12h44
